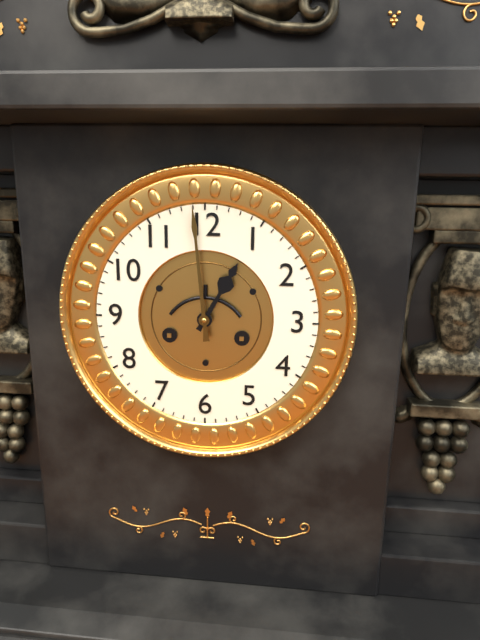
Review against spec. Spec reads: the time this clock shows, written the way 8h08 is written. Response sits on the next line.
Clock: 12h59
